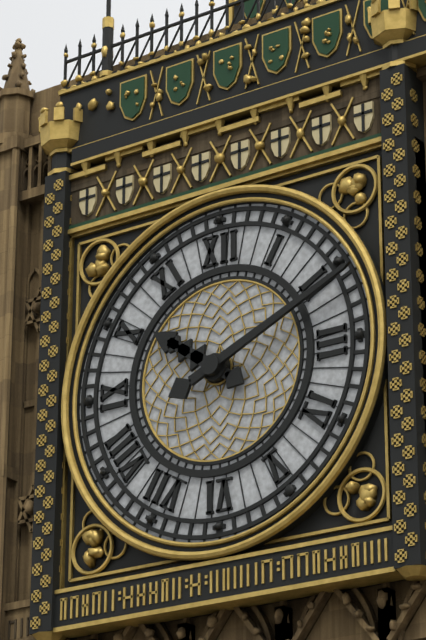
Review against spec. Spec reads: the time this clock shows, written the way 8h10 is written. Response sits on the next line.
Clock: 10h11
